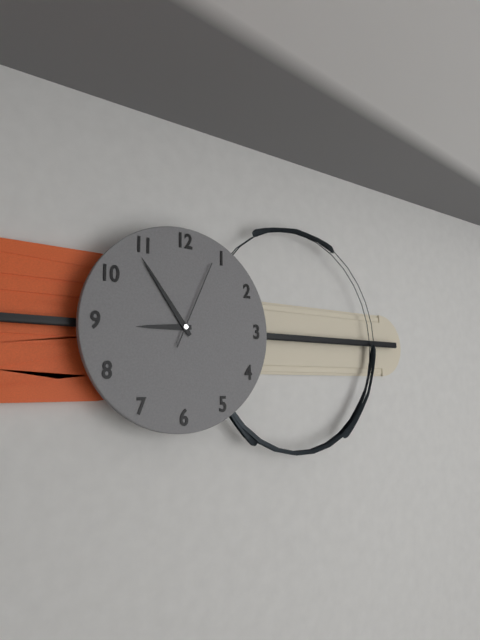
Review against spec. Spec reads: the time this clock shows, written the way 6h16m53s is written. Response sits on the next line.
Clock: 8h54m04s
